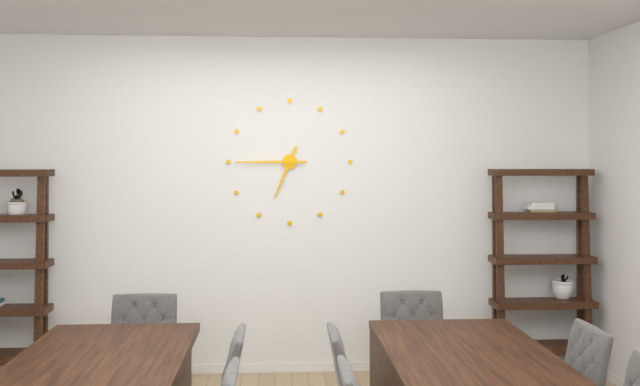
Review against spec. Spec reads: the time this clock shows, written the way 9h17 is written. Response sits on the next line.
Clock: 6h45
